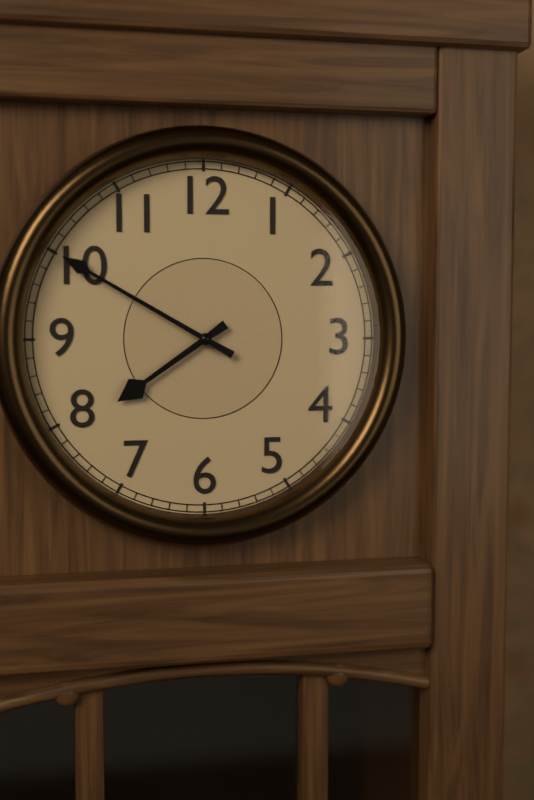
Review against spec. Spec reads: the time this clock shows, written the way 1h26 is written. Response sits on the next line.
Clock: 7h50
